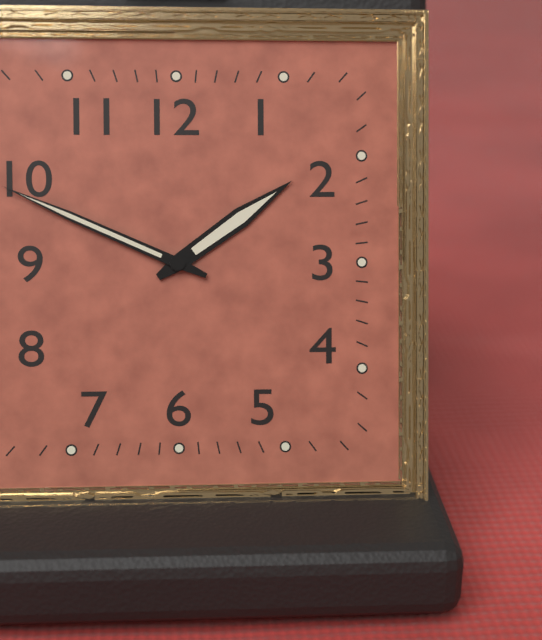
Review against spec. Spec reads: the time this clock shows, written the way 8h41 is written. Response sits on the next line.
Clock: 1h49
